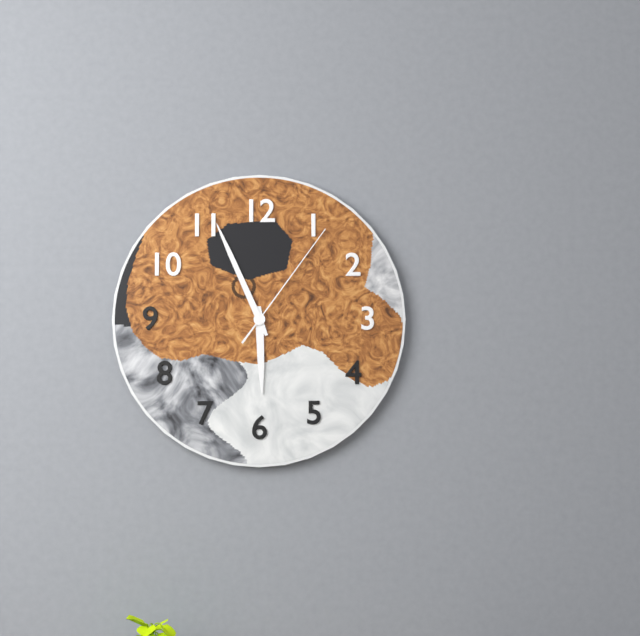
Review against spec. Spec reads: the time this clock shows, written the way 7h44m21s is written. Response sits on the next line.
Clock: 5h56m06s
